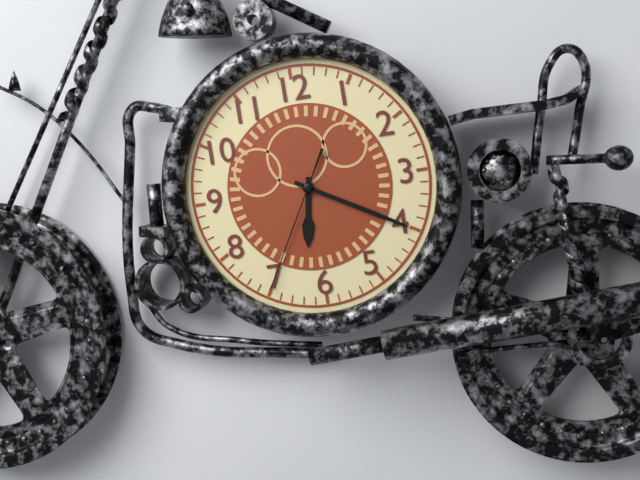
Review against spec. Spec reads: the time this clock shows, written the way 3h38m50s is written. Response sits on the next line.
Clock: 6h20m35s
